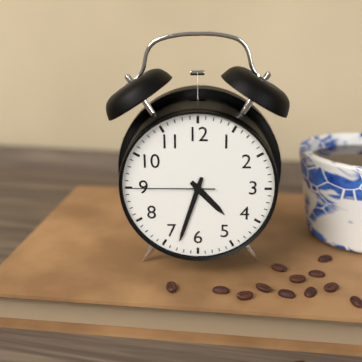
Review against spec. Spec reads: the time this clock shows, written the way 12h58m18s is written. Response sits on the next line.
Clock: 4h33m45s
